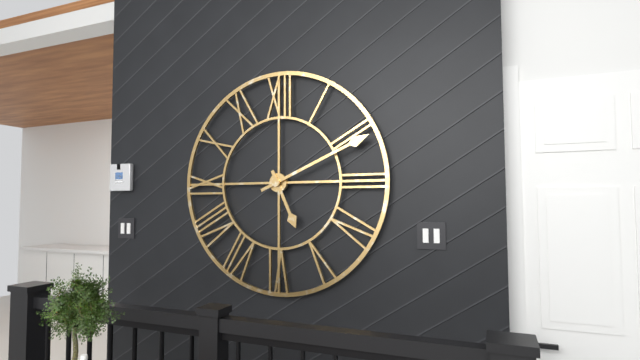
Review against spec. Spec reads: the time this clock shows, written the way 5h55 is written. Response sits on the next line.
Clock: 5h11
